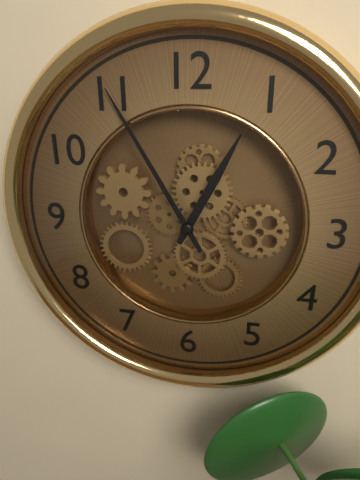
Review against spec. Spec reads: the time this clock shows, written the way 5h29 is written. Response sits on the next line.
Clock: 12h55
